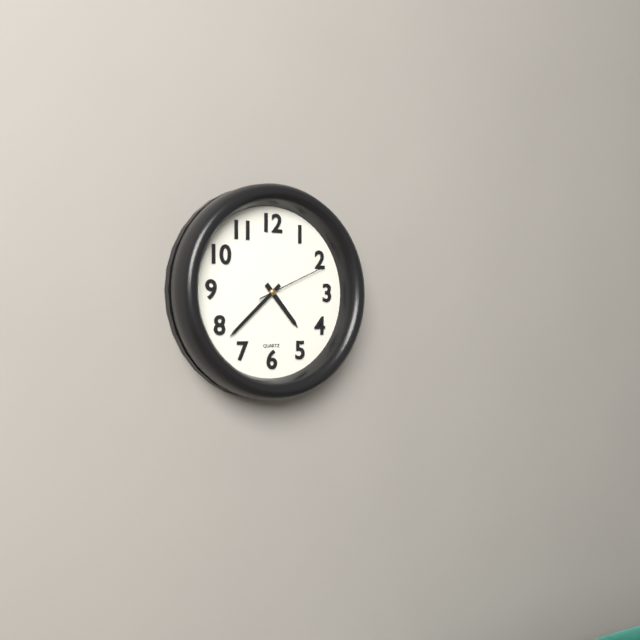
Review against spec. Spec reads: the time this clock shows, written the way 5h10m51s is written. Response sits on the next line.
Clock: 4h38m11s
